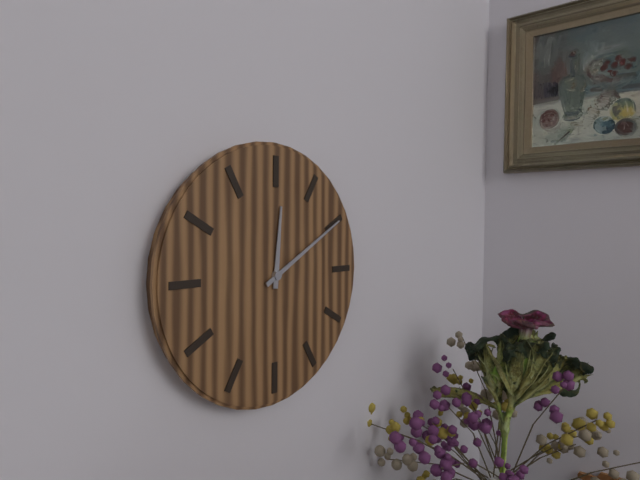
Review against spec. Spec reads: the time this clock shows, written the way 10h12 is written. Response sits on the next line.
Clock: 12h10
